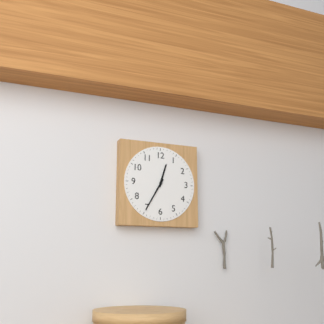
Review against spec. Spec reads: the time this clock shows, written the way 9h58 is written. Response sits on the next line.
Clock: 12h35
